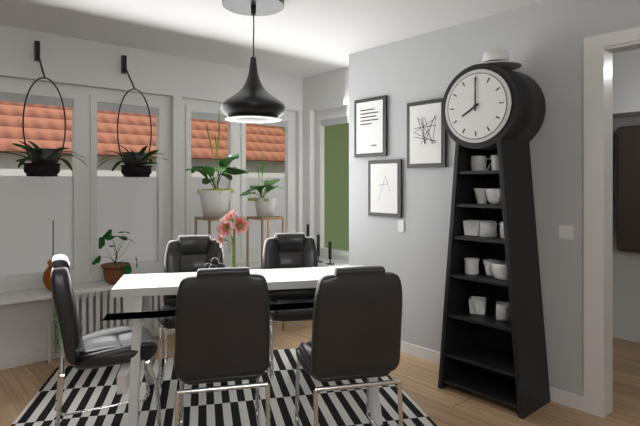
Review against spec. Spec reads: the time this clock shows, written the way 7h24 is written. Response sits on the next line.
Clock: 8h00
